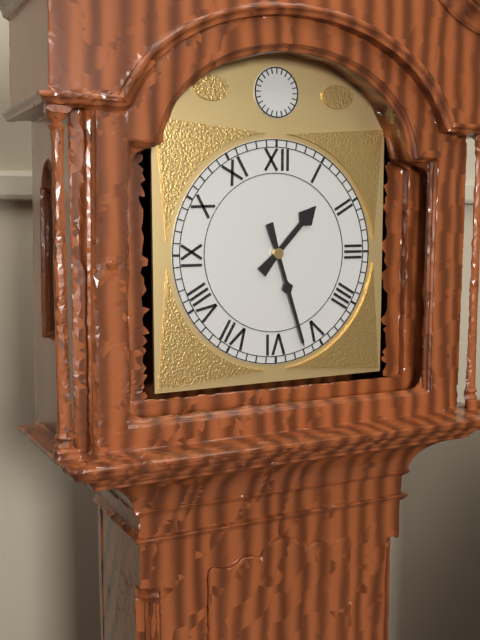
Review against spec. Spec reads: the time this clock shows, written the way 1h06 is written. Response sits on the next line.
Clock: 1h27
